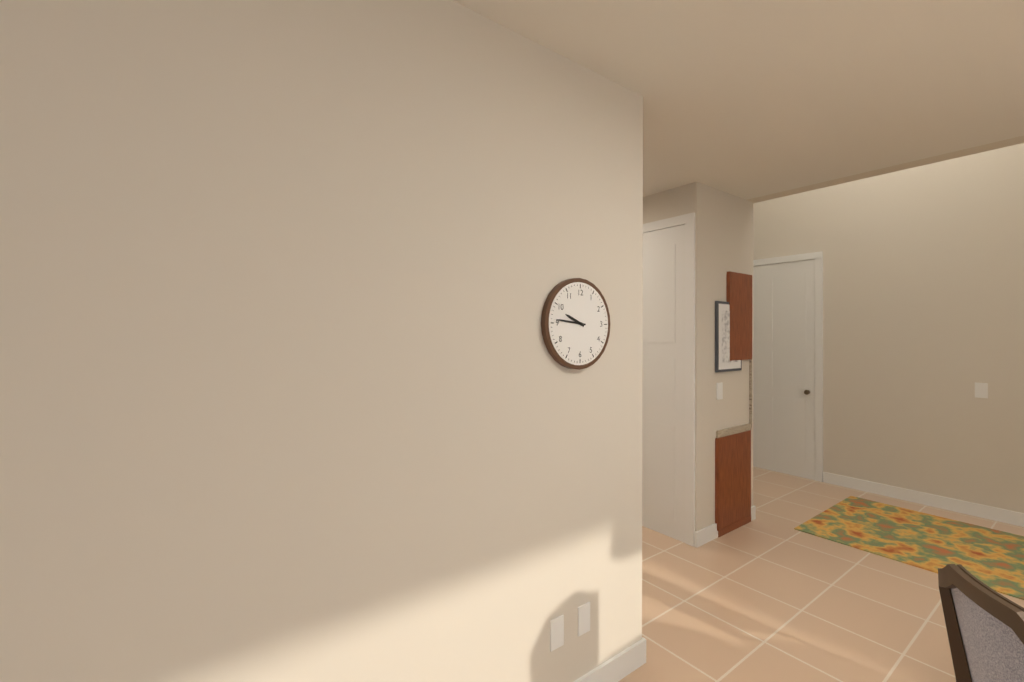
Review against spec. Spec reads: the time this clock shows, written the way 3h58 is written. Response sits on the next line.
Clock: 9h46
